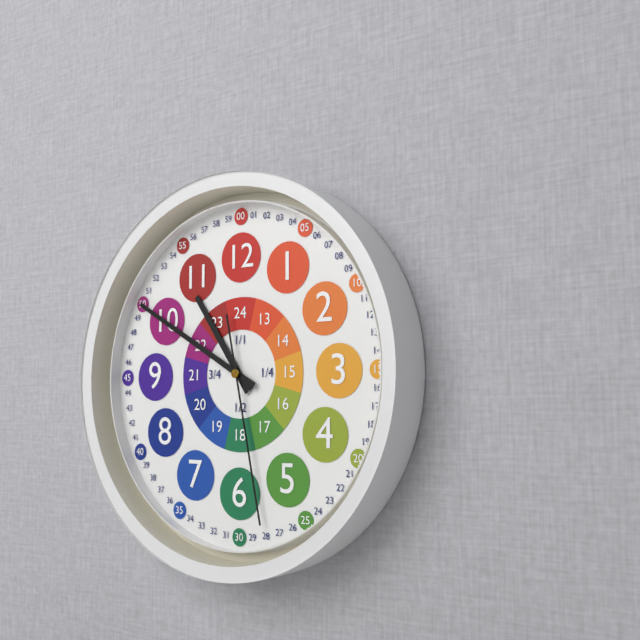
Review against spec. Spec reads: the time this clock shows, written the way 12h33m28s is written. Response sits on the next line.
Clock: 10h50m28s
